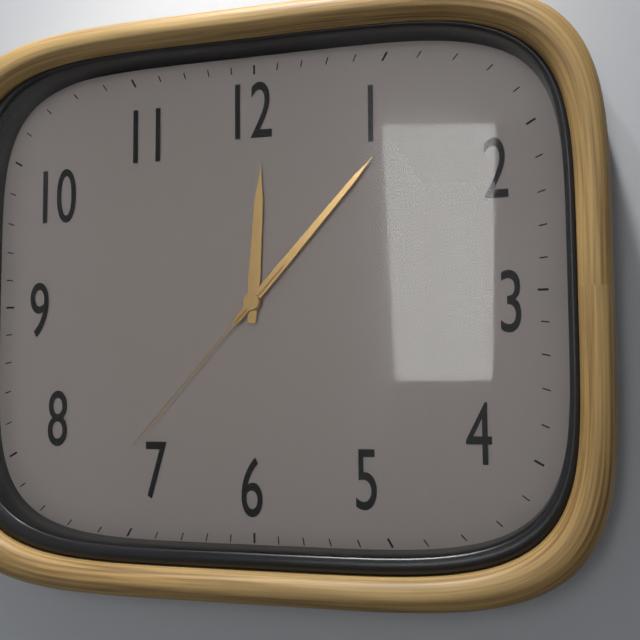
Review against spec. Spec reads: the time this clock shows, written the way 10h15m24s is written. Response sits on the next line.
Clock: 12h07m37s
